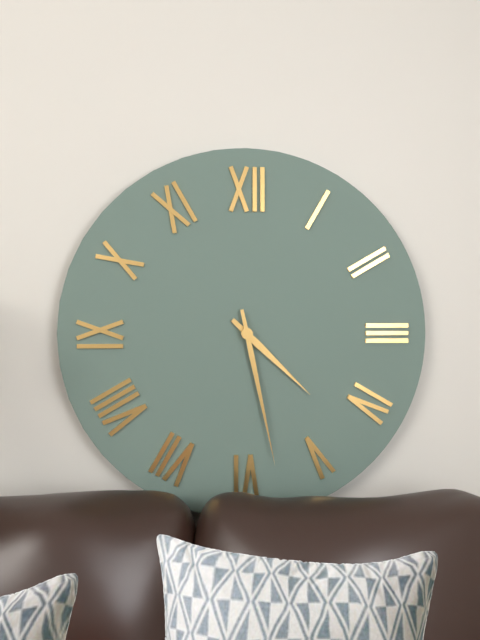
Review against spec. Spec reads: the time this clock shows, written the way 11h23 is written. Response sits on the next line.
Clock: 4h28
